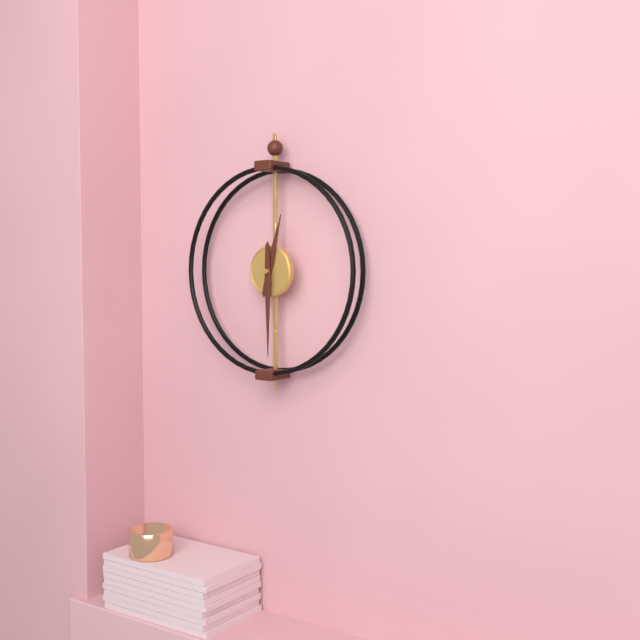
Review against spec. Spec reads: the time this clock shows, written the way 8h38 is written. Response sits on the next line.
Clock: 12h30
